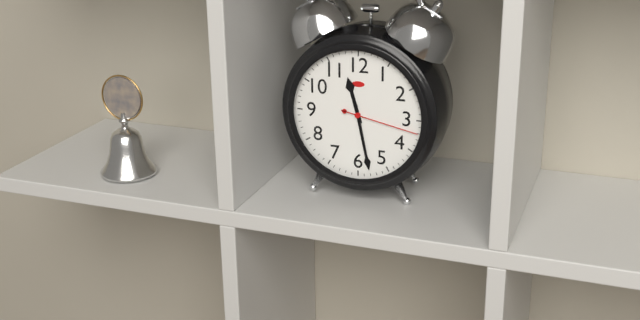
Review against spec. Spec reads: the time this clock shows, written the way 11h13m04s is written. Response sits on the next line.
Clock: 11h28m17s
